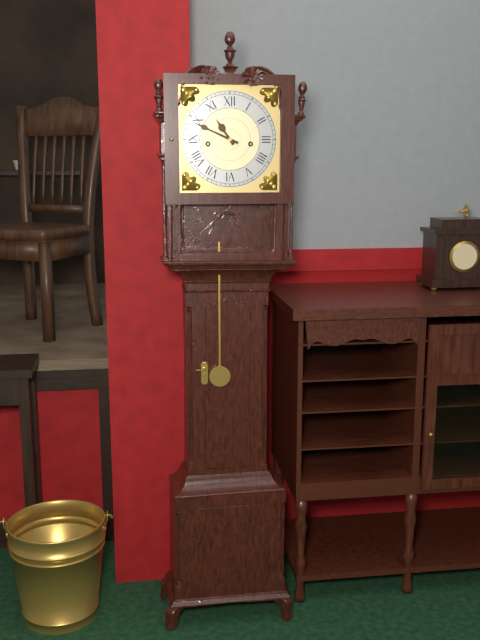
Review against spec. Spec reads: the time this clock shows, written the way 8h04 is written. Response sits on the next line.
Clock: 10h49
